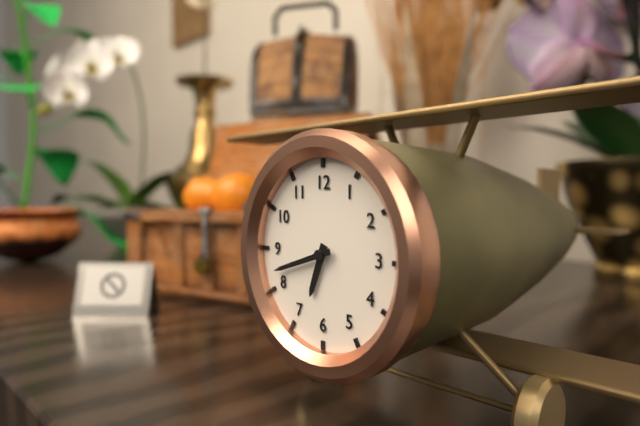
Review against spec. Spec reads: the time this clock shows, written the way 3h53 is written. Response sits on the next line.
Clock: 6h42
